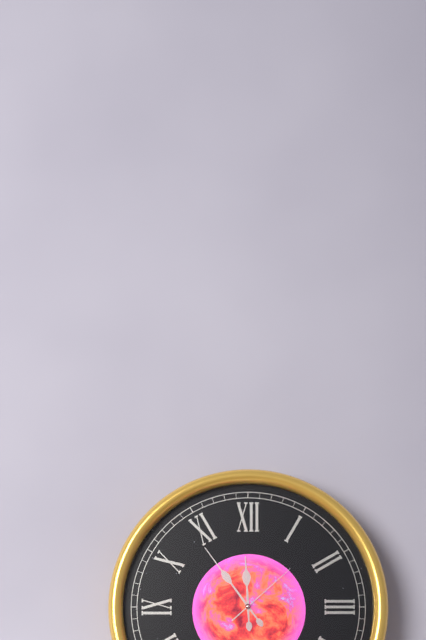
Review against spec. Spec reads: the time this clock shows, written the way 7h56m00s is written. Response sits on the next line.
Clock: 11h54m08s
